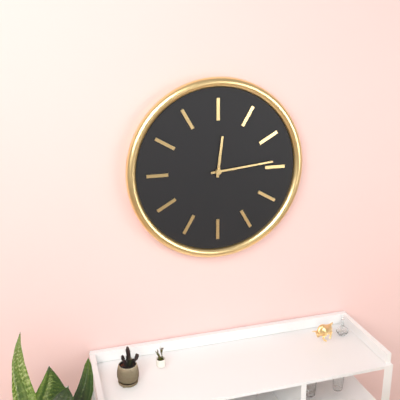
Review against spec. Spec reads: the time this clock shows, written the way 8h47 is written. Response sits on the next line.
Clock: 12h14
